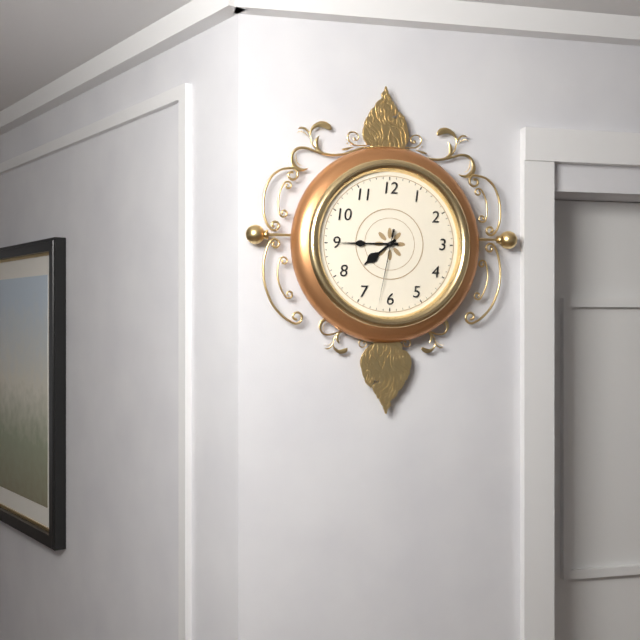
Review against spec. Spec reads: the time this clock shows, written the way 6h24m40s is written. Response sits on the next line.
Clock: 7h45m32s
